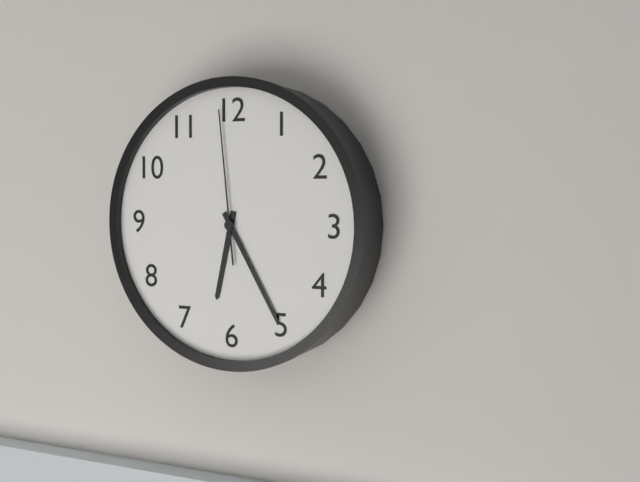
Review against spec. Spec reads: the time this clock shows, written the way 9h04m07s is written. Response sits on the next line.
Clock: 6h25m59s
